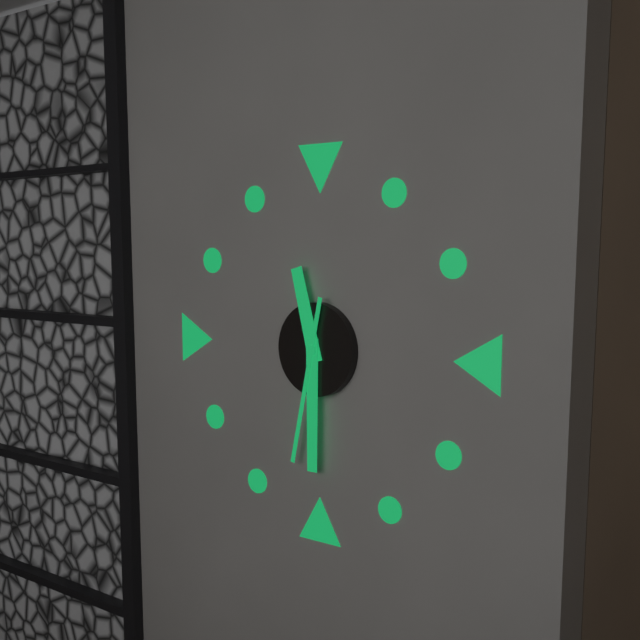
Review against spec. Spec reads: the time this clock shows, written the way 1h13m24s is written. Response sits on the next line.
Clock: 11h30m32s
